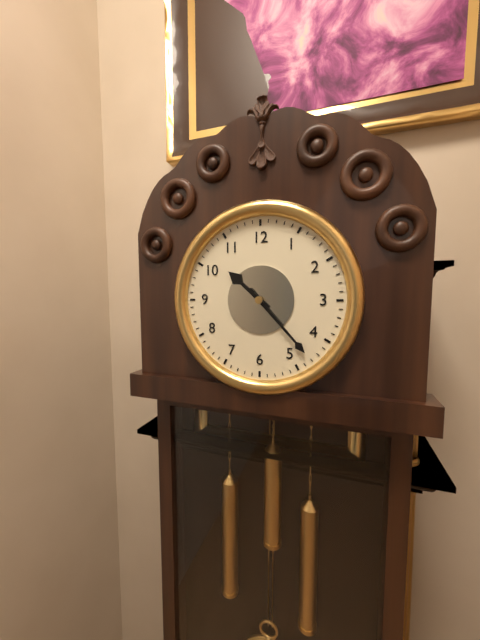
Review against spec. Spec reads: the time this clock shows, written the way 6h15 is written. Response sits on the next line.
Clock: 10h23
